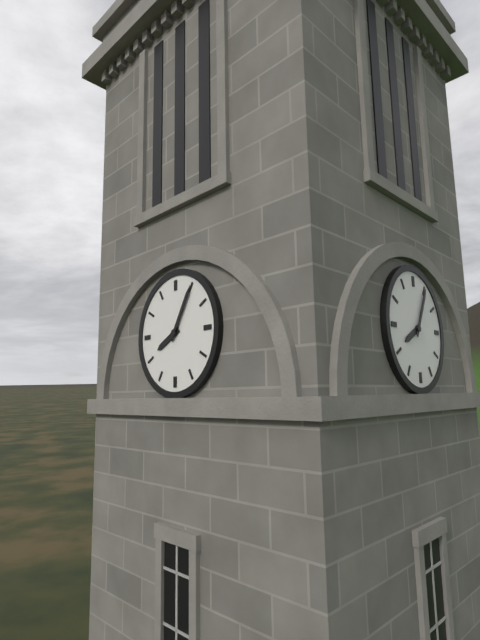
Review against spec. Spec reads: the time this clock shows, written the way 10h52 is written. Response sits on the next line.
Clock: 8h05
